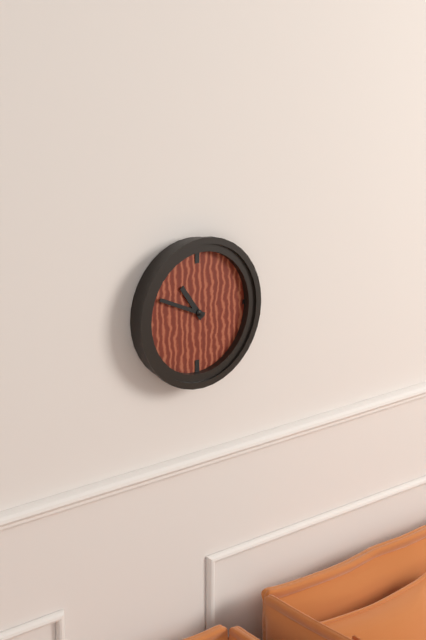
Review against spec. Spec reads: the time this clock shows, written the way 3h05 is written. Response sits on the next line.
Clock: 10h49
